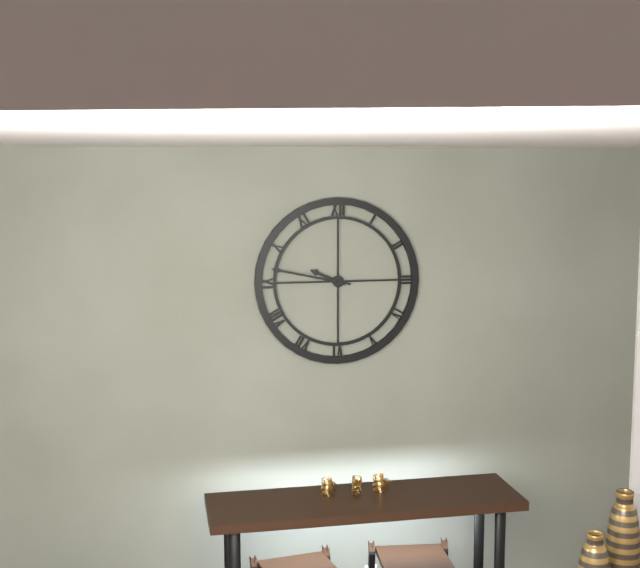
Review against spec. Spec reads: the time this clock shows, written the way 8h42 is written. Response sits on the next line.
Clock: 9h47
